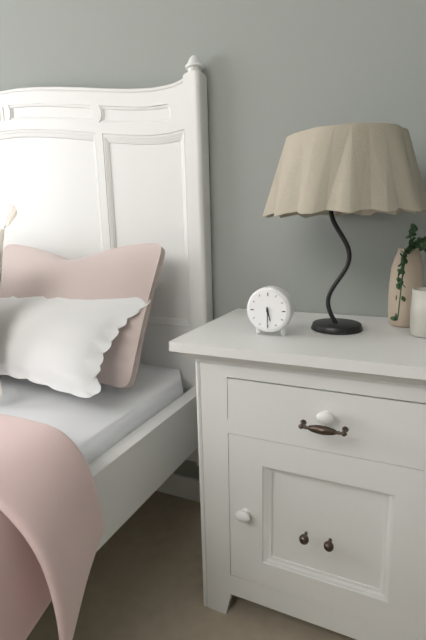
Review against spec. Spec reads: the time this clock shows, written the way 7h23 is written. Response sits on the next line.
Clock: 5h30
